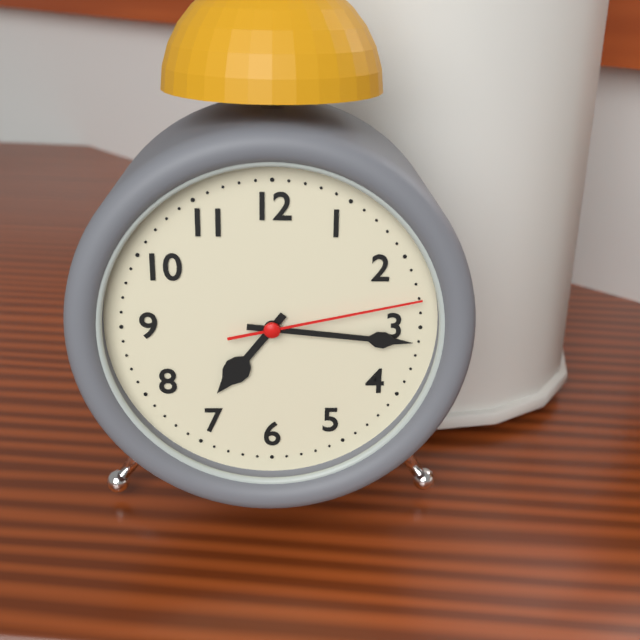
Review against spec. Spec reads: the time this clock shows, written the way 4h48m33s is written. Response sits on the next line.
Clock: 7h16m13s
